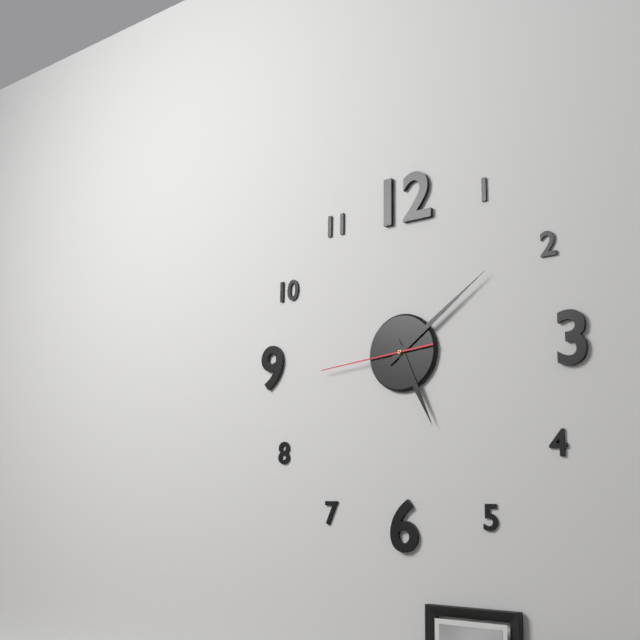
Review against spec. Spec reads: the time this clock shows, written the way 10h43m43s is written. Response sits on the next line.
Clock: 5h09m44s
